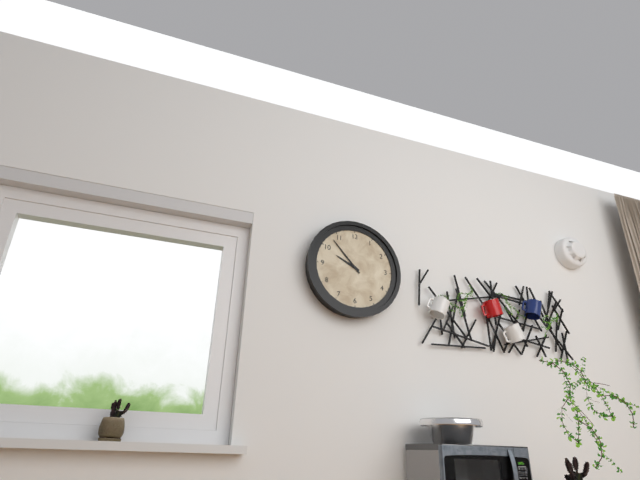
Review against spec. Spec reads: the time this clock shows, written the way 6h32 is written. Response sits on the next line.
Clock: 9h53
